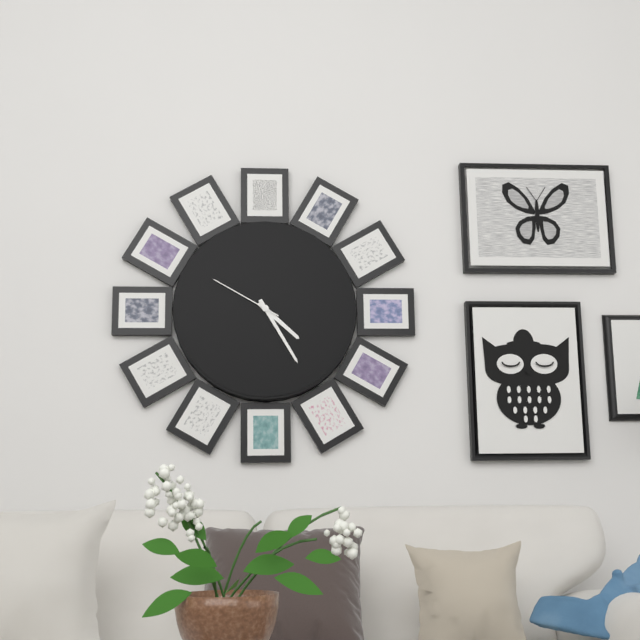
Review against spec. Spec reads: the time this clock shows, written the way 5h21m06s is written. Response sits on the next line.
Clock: 4h25m50s
